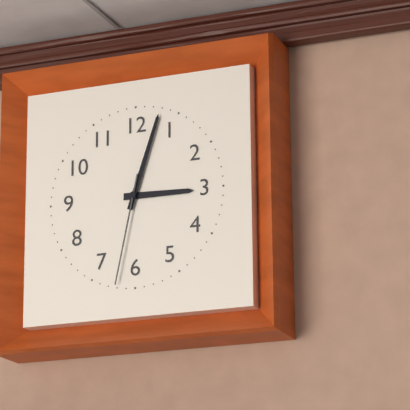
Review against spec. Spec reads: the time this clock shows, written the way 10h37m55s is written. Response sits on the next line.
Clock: 3h03m32s
